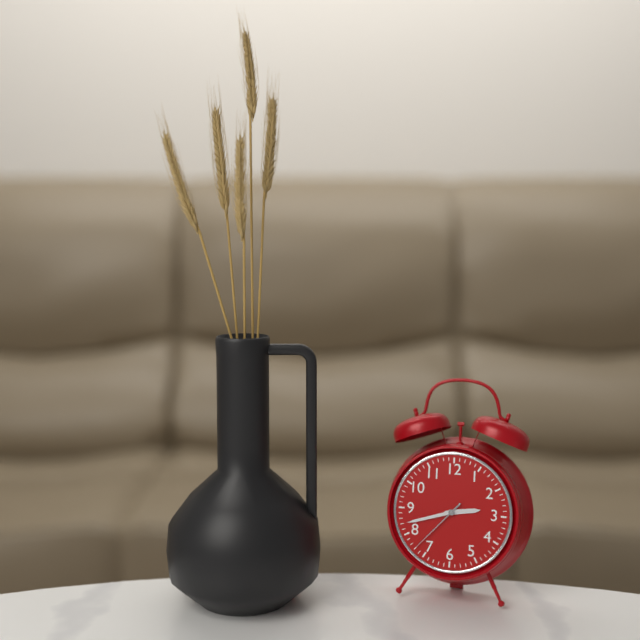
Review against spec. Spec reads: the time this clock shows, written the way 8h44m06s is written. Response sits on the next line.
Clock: 2h42m37s
